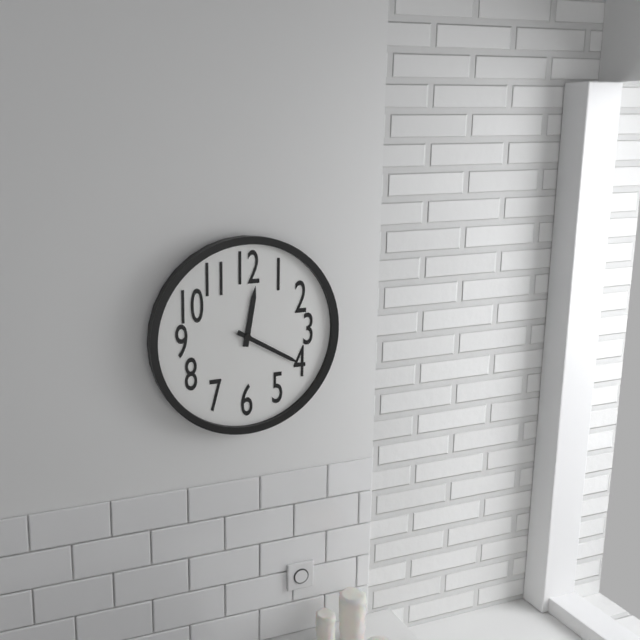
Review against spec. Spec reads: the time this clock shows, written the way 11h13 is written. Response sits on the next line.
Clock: 12h20
